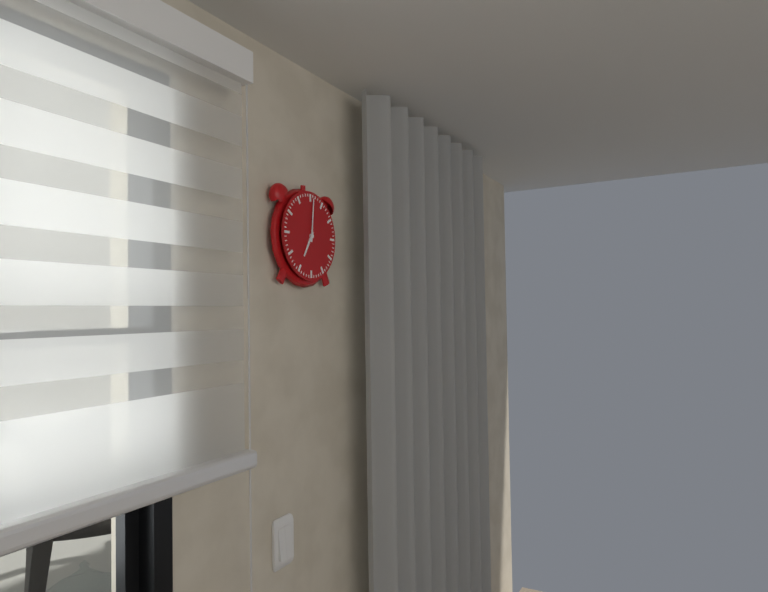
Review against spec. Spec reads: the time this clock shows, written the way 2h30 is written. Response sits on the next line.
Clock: 7h01
